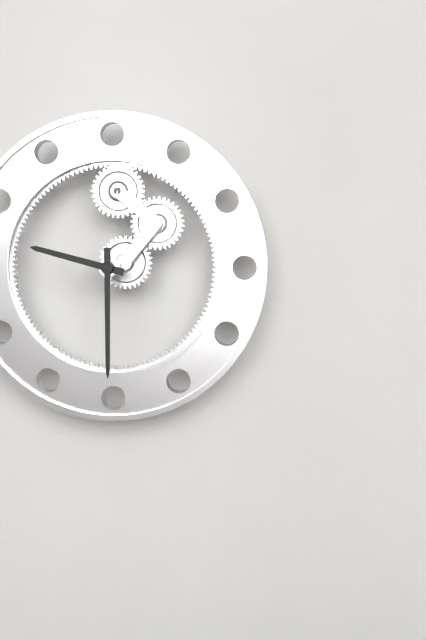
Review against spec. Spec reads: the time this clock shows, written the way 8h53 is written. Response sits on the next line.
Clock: 9h30
